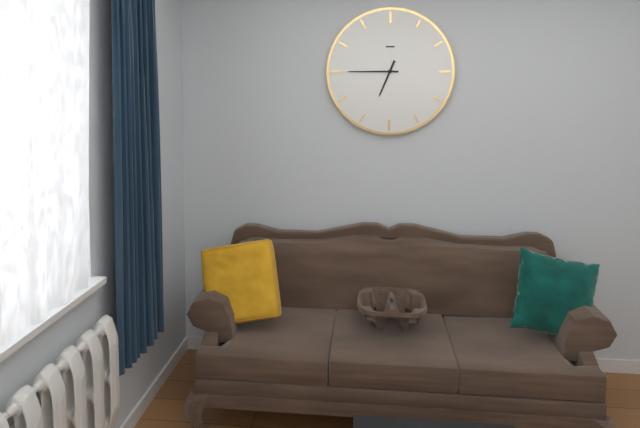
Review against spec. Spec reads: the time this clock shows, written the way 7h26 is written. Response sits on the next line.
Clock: 6h45
